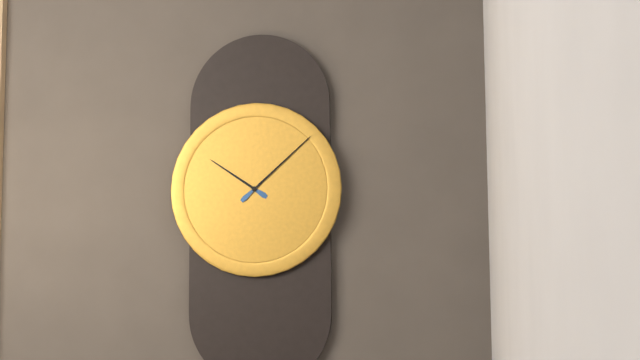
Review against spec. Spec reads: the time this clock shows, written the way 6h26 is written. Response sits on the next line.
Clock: 10h08
